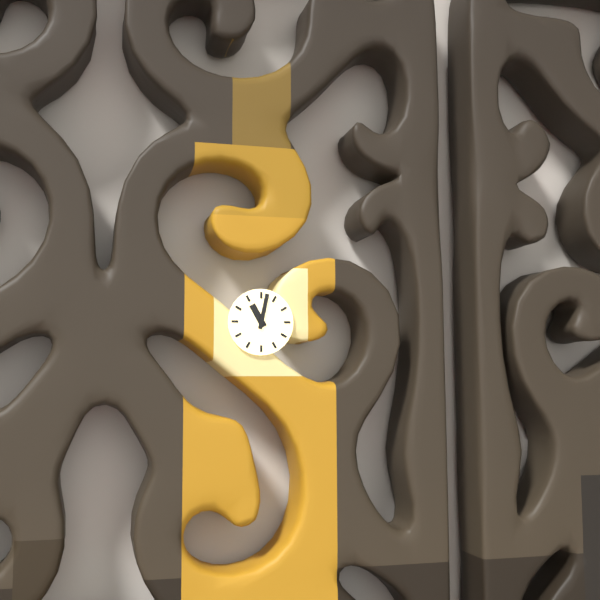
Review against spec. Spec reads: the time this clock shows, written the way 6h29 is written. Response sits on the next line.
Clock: 11h02
